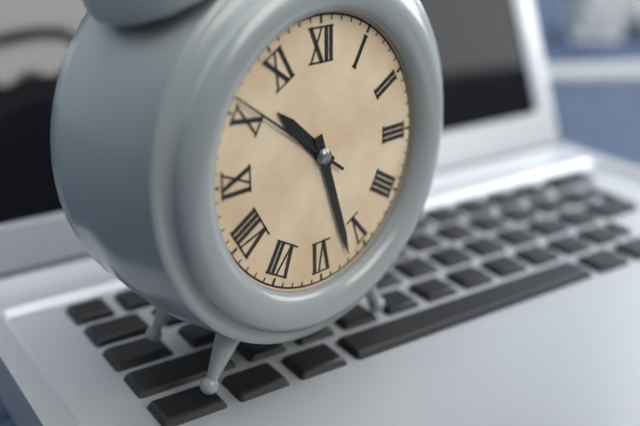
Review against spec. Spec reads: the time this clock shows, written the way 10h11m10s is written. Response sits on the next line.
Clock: 10h27m51s
